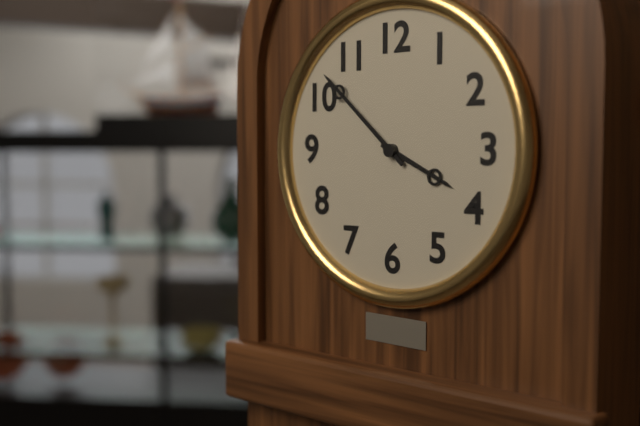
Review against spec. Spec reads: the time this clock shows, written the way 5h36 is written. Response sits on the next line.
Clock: 3h52
